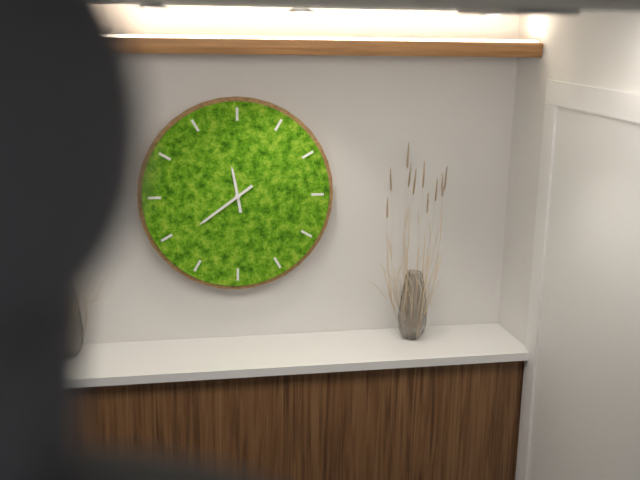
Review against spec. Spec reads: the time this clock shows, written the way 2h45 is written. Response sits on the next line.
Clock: 11h39
